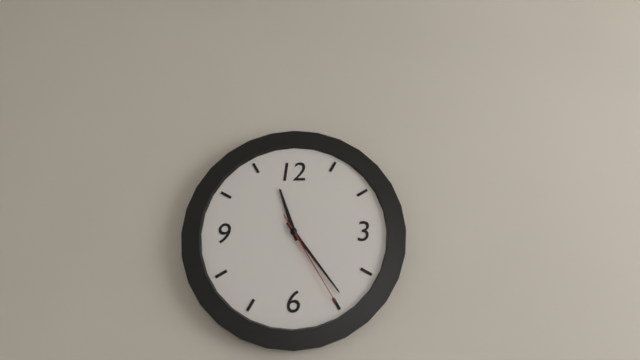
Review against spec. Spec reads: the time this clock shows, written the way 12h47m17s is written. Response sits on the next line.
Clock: 11h24m25s
